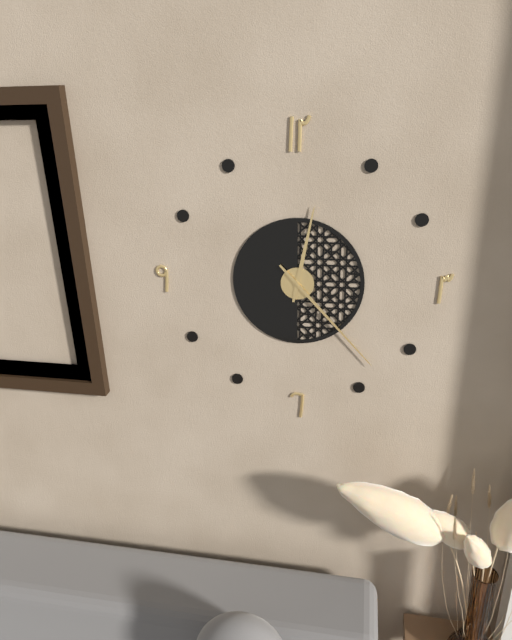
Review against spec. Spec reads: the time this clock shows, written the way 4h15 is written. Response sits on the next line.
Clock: 12h23
